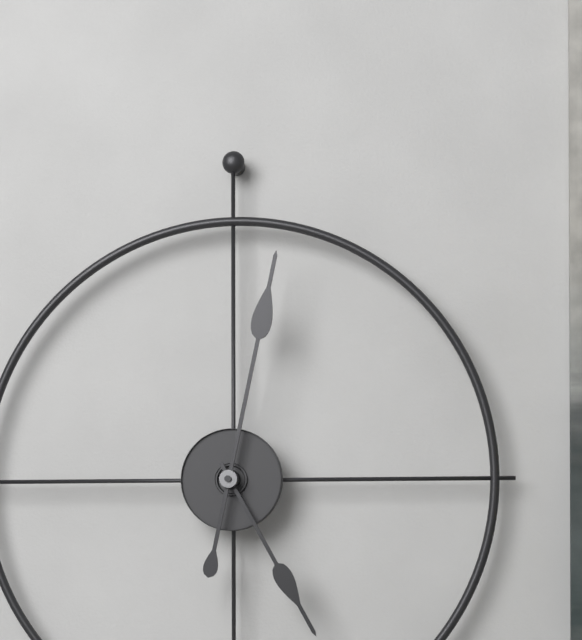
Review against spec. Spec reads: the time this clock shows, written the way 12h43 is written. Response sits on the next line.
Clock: 5h02
